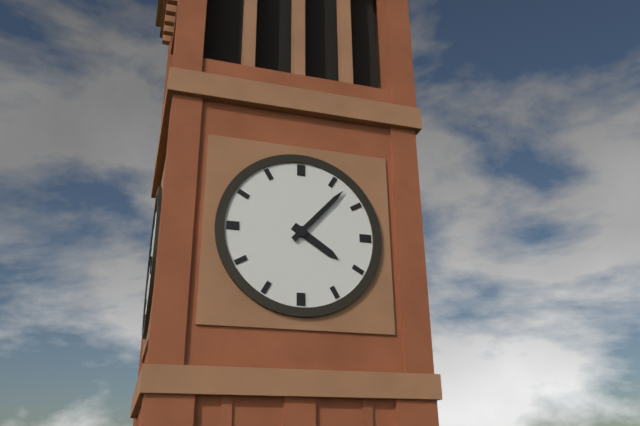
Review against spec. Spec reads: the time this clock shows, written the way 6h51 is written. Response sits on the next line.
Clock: 4h07
